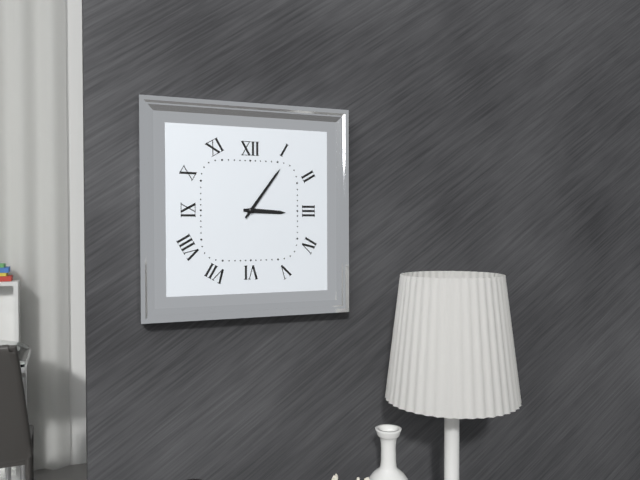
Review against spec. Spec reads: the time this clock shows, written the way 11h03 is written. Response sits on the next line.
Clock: 3h06
